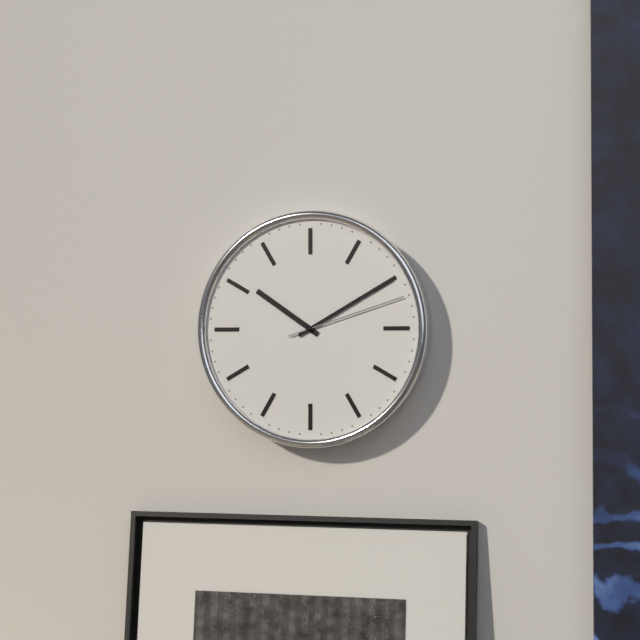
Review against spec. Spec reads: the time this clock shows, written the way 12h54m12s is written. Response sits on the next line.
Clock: 10h10m12s
